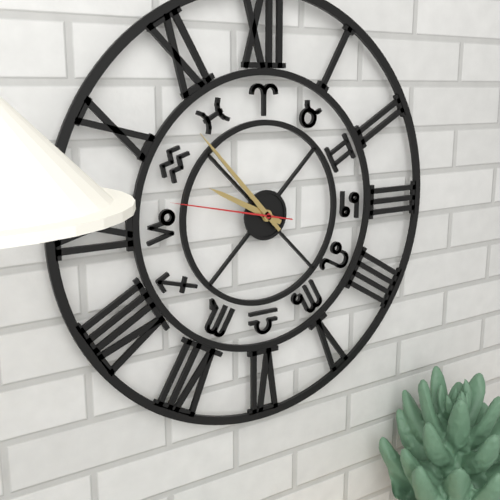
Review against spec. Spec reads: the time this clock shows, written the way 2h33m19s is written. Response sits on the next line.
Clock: 9h53m47s
